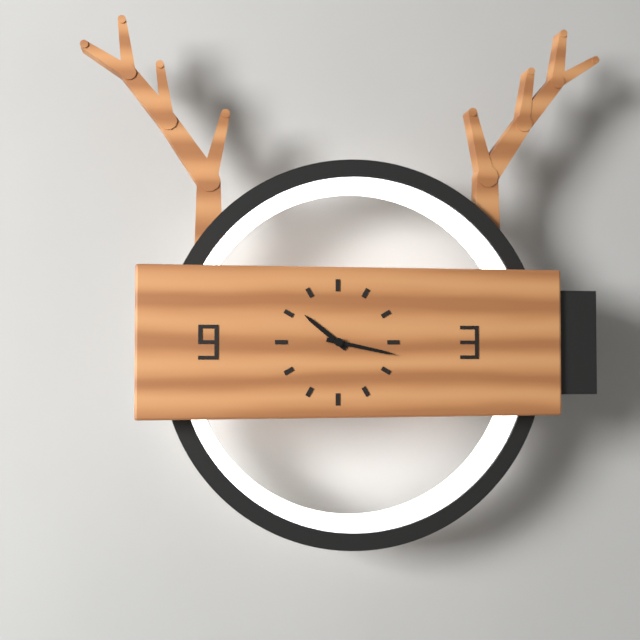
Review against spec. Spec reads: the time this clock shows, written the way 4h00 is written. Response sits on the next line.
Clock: 10h17
